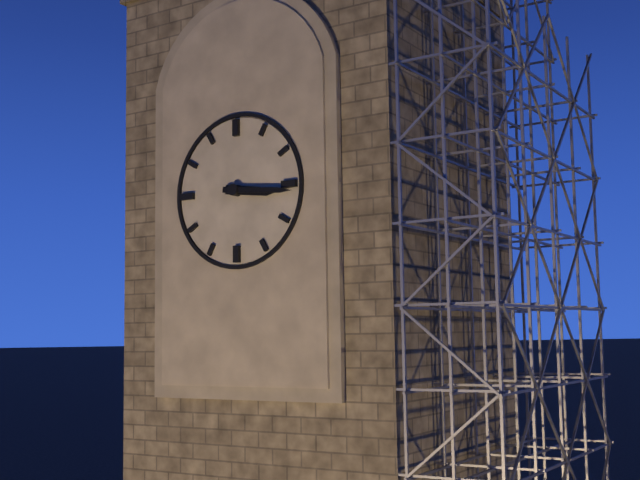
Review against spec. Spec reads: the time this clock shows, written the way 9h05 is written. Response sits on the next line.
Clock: 3h16
